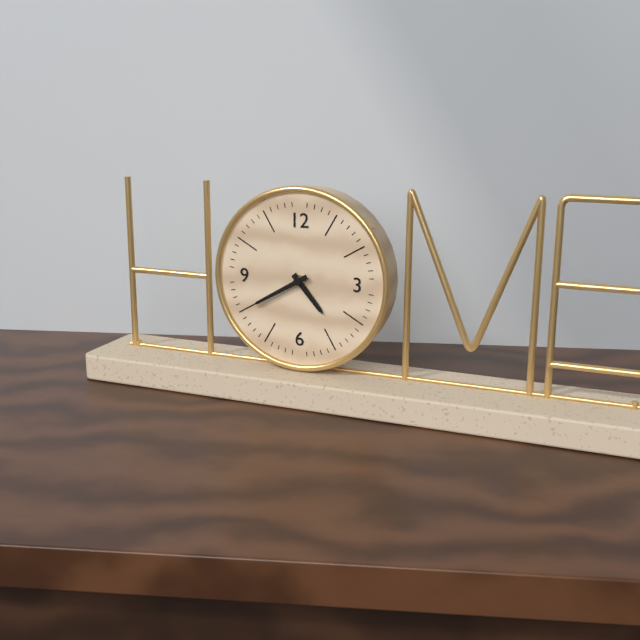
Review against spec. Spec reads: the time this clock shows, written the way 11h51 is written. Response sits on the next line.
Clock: 4h40
